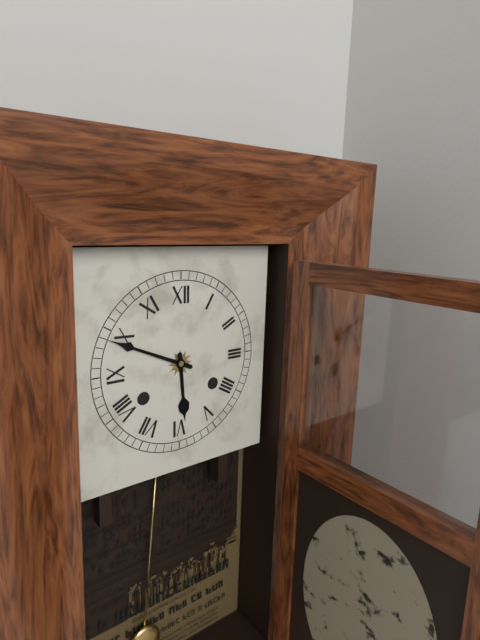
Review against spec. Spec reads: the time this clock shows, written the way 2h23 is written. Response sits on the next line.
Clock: 5h49
